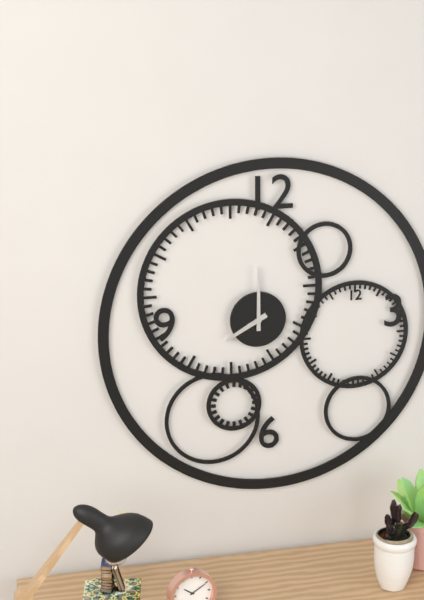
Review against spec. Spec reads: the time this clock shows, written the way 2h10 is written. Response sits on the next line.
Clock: 8h00
